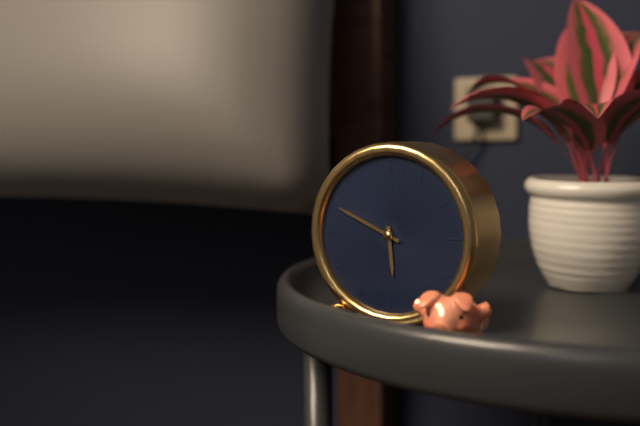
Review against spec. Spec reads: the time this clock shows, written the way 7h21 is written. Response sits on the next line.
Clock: 5h49
